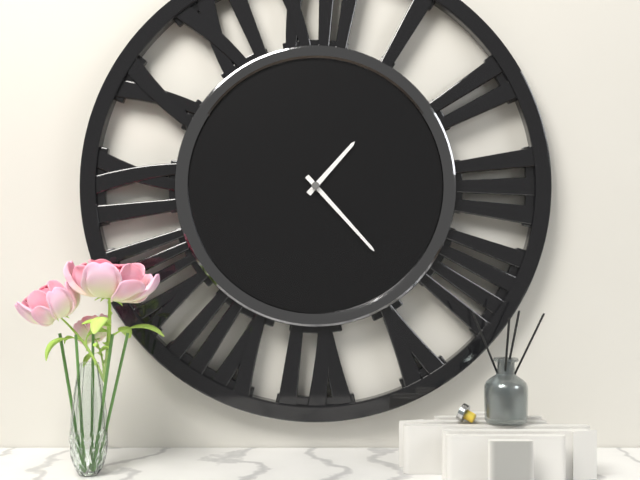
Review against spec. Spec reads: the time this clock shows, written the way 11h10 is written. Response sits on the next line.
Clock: 1h23
